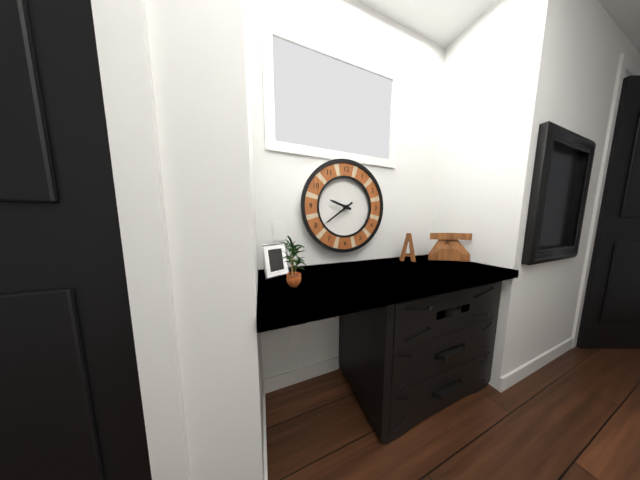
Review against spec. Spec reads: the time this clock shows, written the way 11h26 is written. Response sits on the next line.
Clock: 9h39
